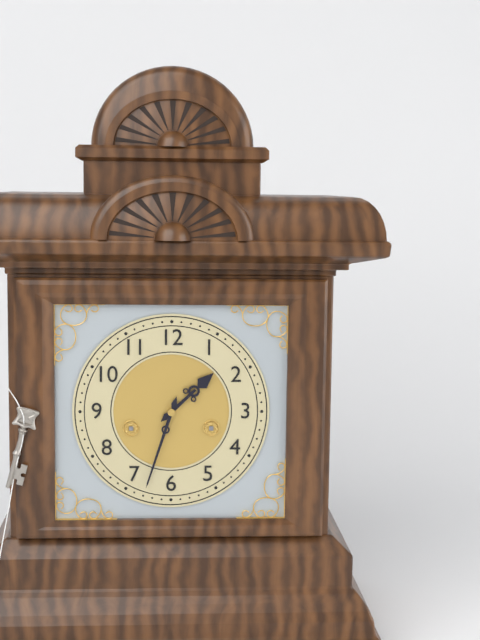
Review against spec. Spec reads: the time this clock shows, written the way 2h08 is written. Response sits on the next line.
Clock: 1h33
